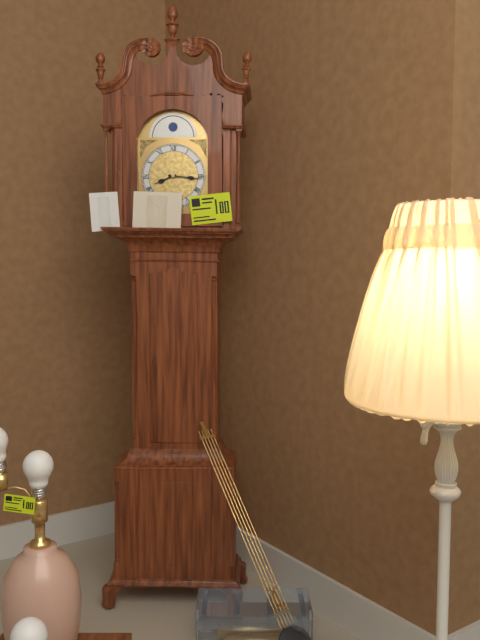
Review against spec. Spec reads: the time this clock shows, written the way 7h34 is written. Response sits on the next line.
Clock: 8h16
